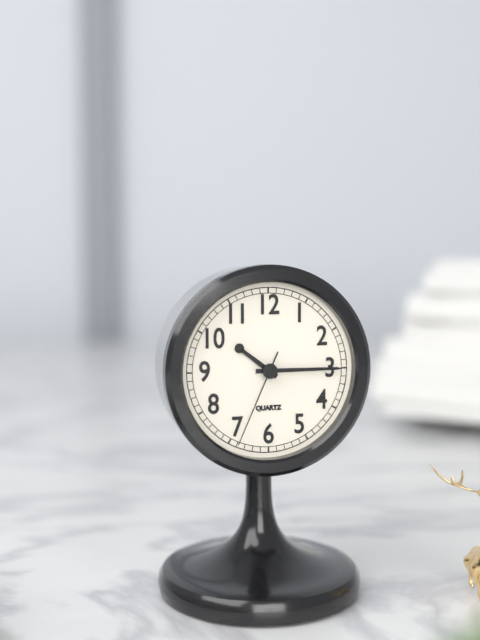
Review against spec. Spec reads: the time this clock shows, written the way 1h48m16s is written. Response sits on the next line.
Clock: 10h15m34s
